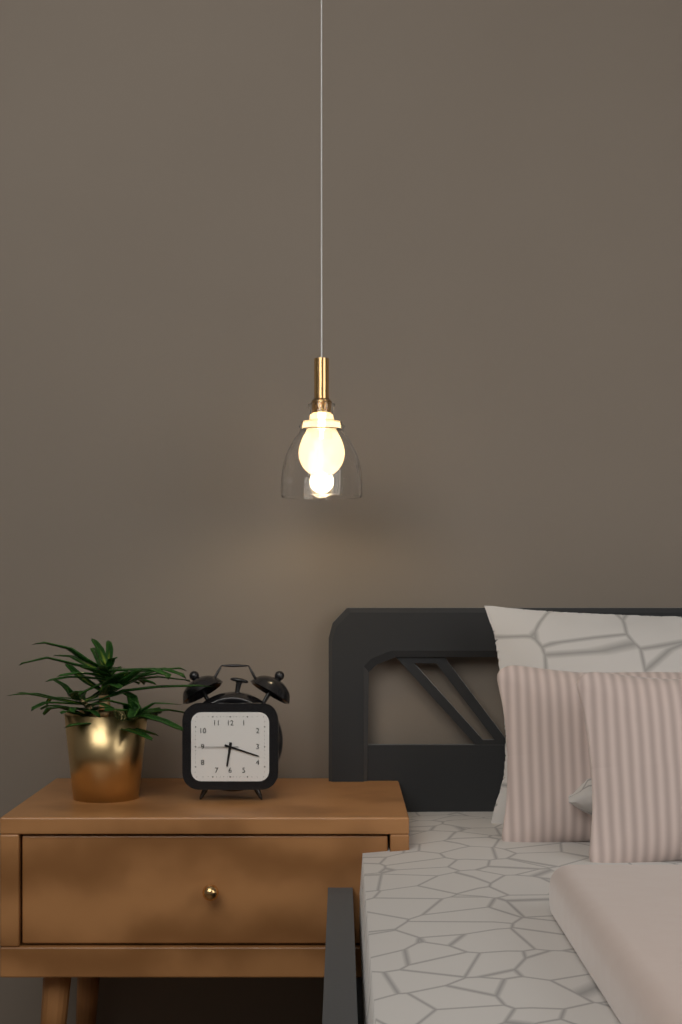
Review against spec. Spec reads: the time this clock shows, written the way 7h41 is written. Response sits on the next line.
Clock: 6h18
